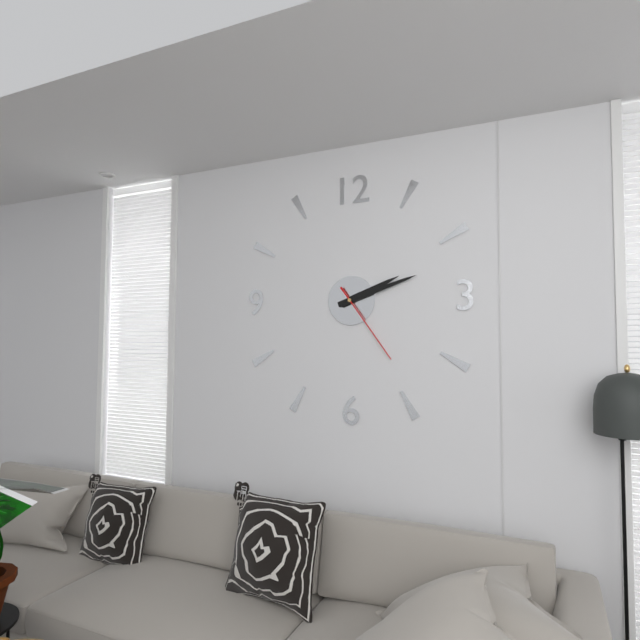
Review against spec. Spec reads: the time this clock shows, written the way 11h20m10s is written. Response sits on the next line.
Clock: 2h12m24s
